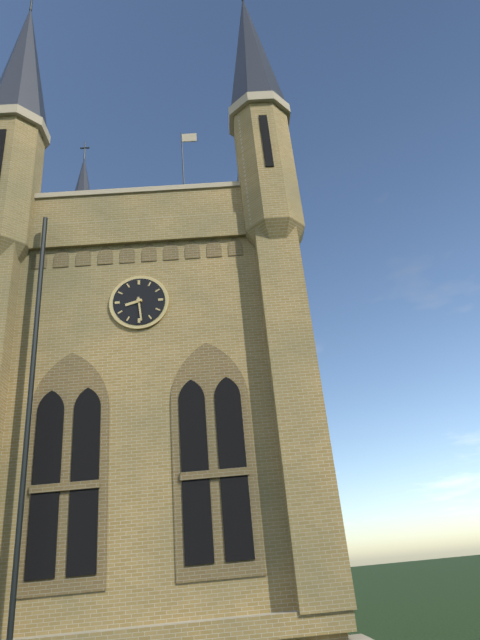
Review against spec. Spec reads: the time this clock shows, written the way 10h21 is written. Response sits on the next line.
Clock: 8h29
